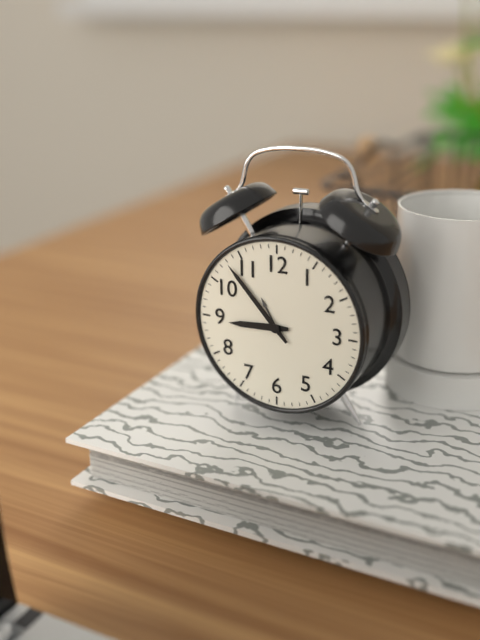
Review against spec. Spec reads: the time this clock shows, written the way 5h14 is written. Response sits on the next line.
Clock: 8h53
